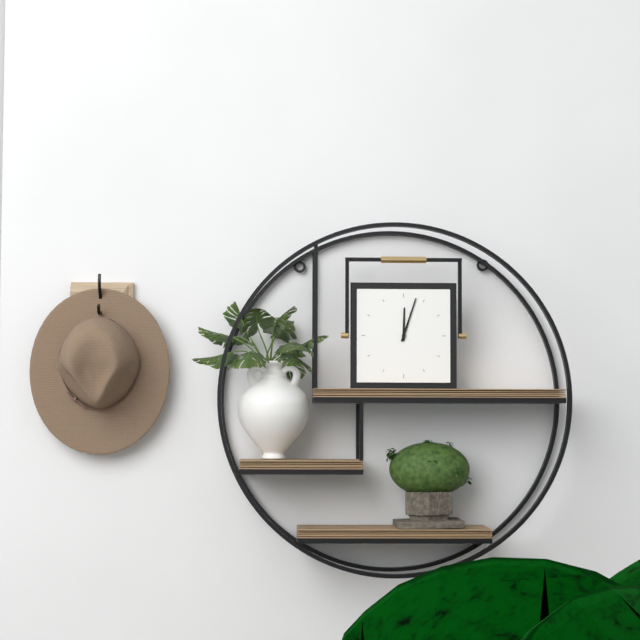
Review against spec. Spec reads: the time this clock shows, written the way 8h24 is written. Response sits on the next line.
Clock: 12h03
